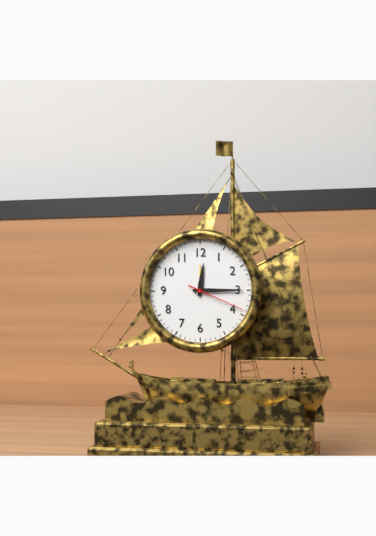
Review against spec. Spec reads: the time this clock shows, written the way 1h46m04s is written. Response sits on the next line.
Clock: 12h15m19s
